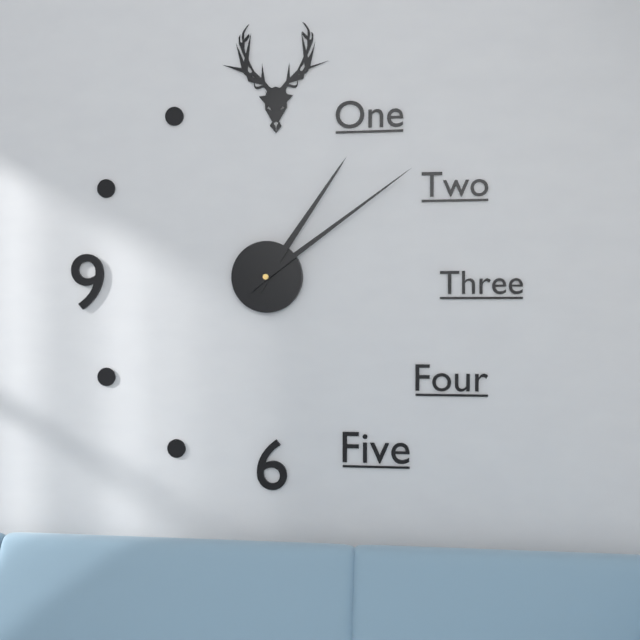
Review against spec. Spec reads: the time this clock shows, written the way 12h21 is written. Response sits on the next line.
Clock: 1h09
